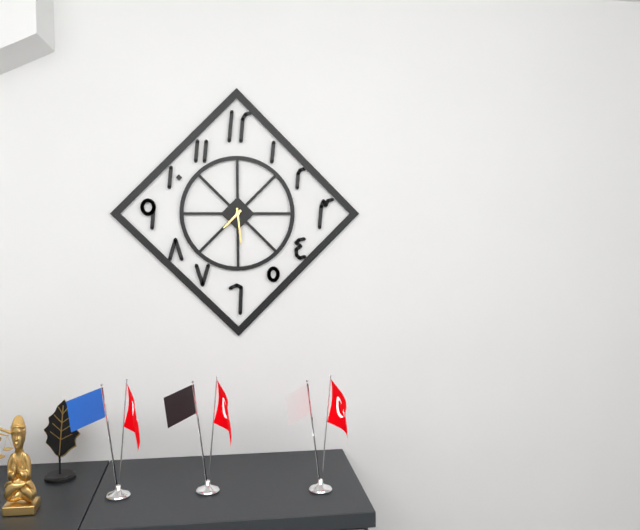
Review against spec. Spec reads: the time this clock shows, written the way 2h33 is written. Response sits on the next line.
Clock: 7h29
